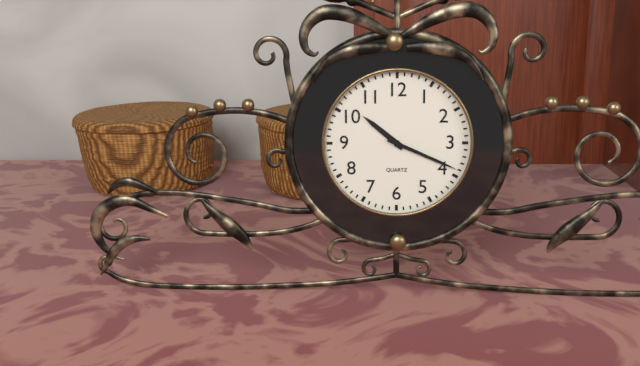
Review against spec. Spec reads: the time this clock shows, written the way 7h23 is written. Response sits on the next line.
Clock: 10h19
